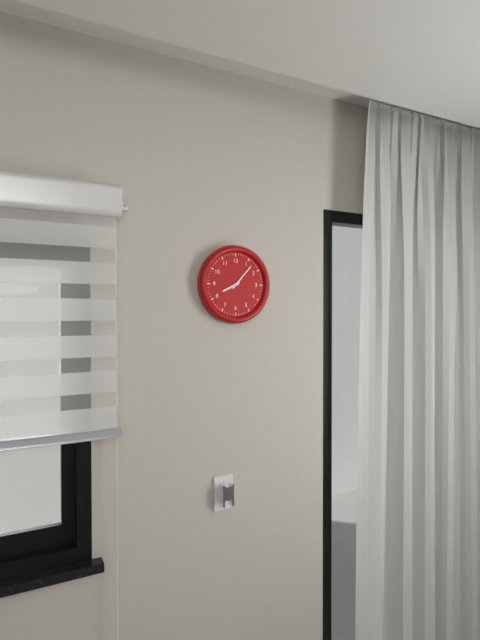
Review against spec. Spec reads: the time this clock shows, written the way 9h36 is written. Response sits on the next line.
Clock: 8h07
